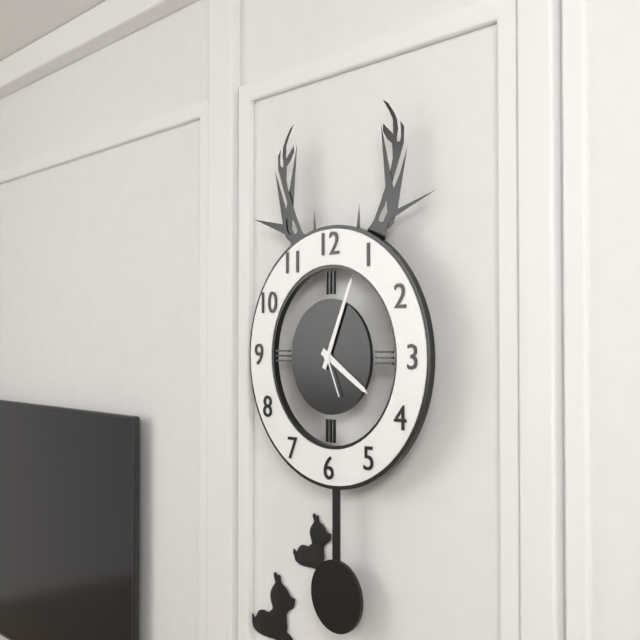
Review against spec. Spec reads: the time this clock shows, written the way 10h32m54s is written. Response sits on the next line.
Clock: 4h04m26s
